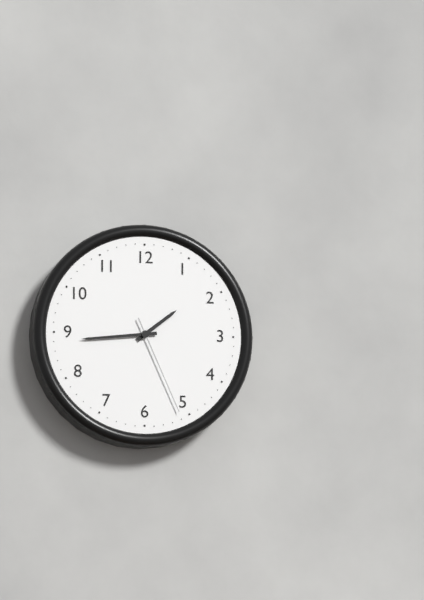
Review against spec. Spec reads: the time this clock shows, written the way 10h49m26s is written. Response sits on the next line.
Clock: 1h44m26s
